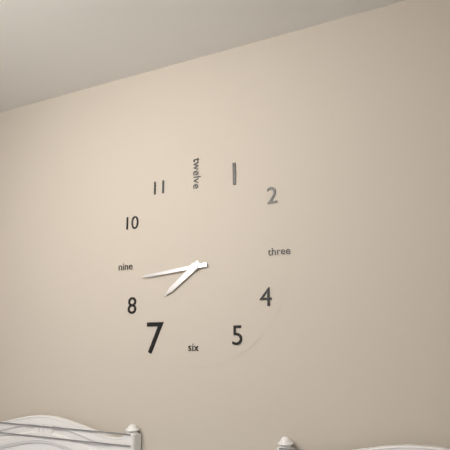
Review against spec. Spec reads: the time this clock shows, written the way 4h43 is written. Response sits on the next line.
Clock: 7h44
